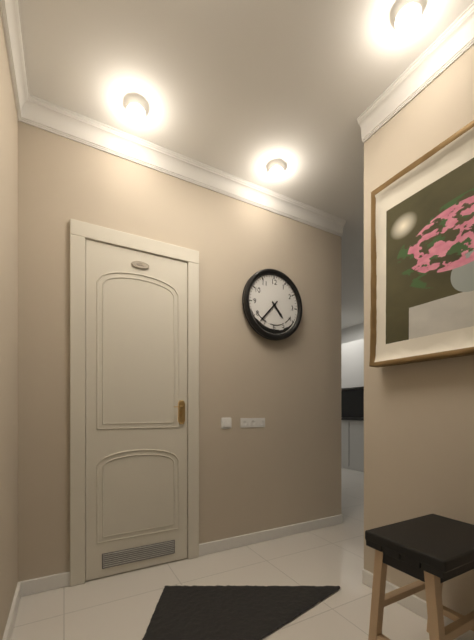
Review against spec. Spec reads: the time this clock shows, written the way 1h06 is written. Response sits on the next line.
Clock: 4h37
